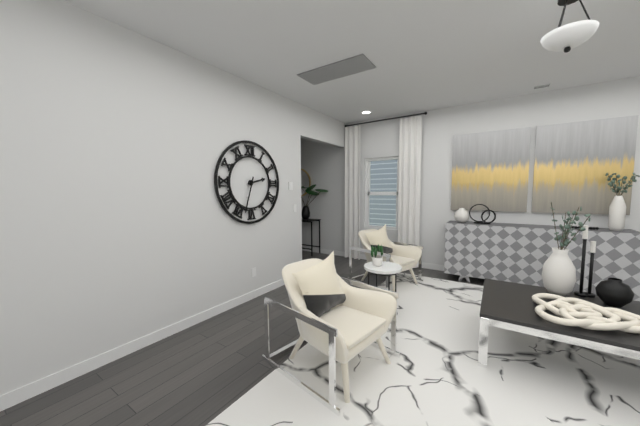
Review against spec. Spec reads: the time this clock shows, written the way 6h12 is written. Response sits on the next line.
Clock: 2h33
